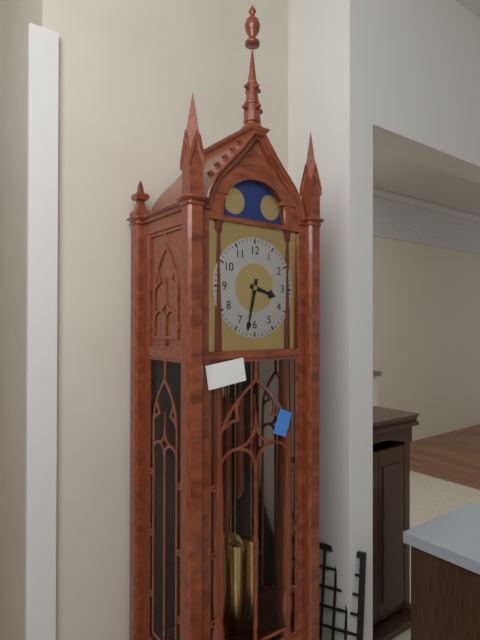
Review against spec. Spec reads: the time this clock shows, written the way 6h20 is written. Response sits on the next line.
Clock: 3h32
